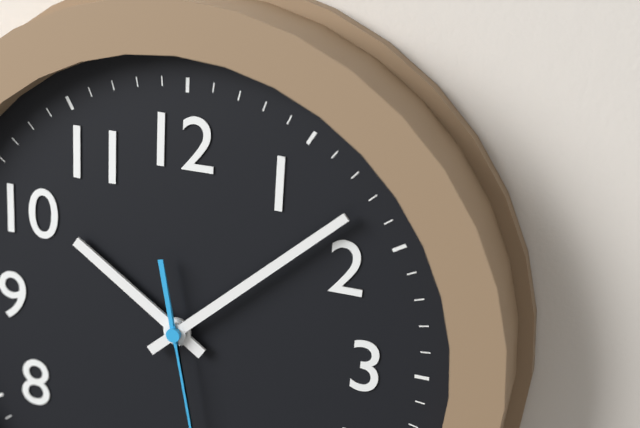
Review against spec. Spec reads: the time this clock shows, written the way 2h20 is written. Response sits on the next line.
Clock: 10h08
